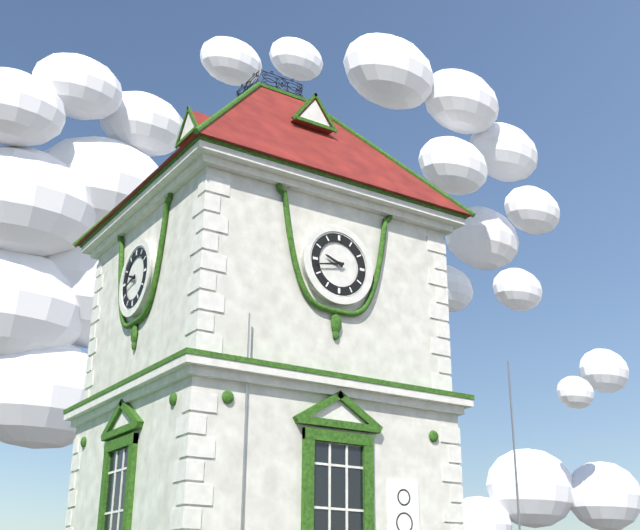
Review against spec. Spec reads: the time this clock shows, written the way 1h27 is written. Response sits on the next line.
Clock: 9h43
